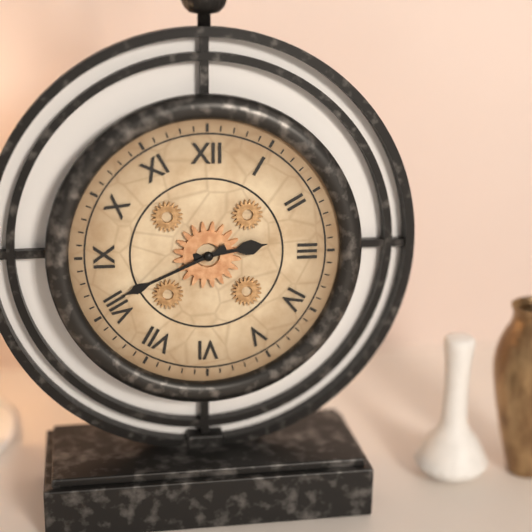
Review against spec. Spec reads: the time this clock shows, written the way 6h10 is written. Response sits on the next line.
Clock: 2h41
